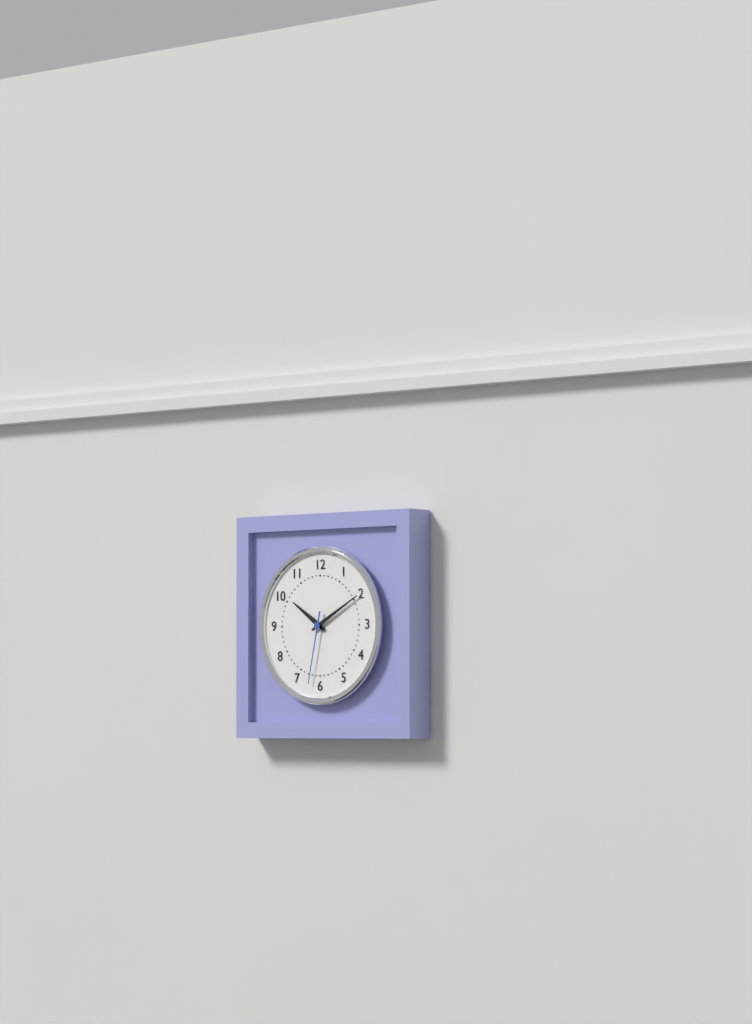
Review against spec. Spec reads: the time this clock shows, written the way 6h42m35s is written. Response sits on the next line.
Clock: 10h10m32s
